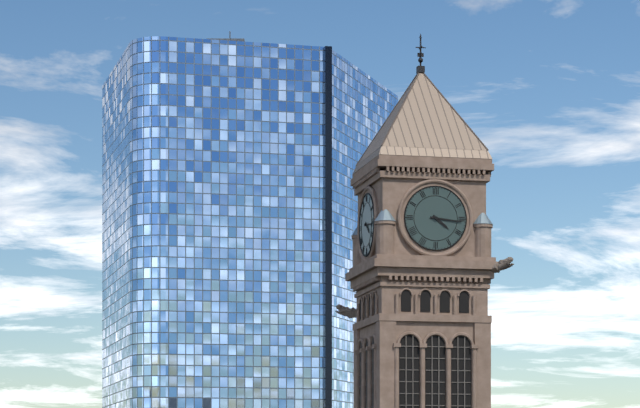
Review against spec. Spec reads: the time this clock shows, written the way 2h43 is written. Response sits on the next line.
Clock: 4h16
